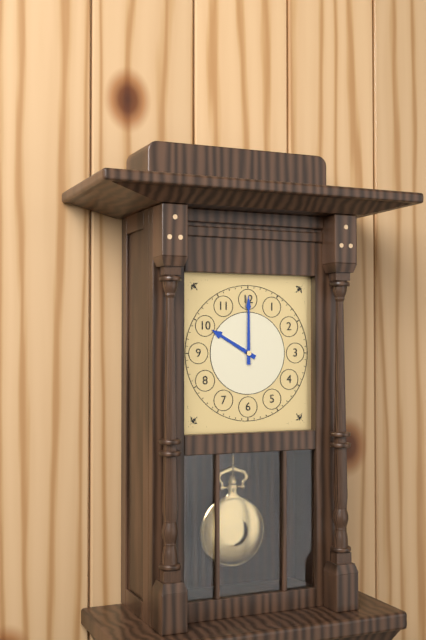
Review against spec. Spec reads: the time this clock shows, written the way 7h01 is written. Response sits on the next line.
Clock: 10h00
